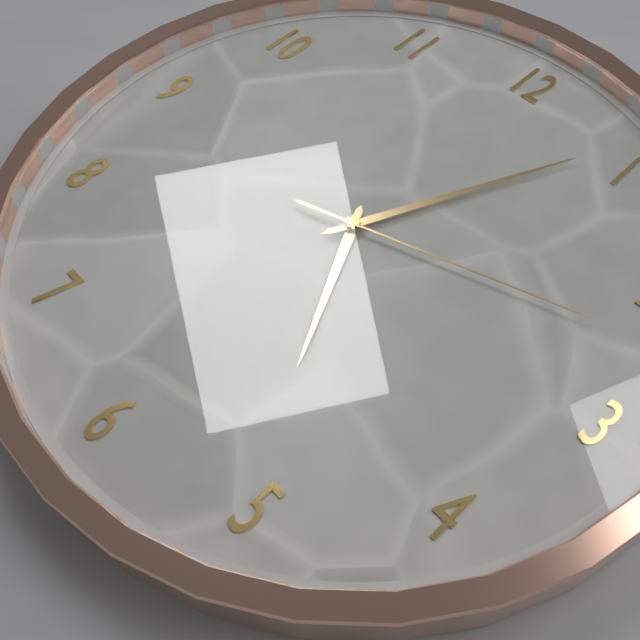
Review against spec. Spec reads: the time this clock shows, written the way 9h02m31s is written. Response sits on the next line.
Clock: 5h04m12s
